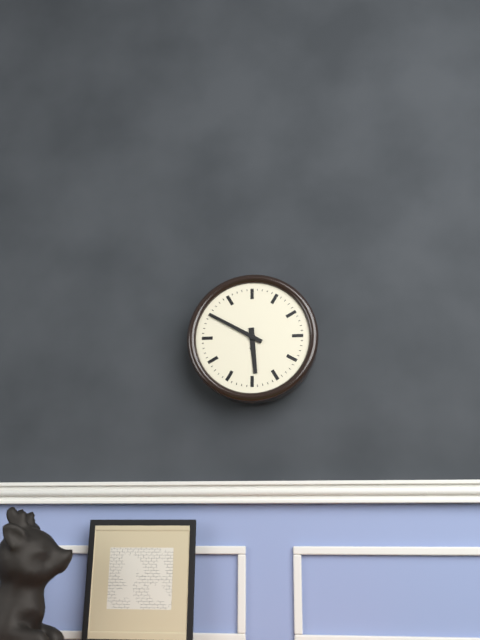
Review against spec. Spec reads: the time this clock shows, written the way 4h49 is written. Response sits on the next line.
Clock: 5h50
